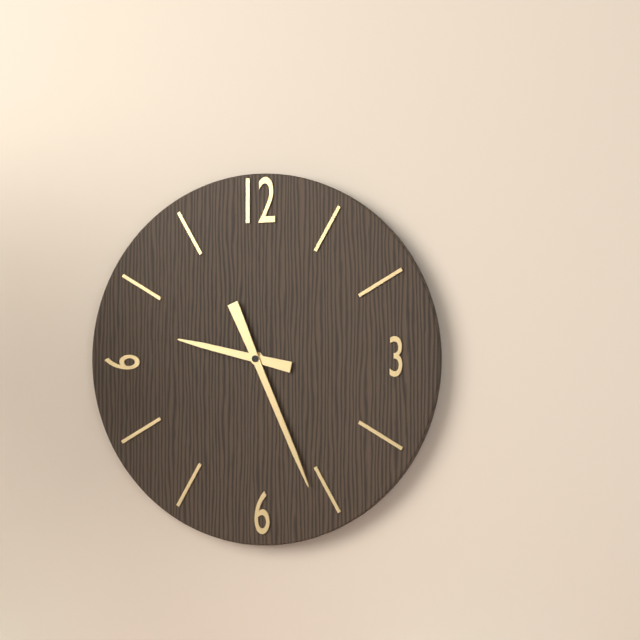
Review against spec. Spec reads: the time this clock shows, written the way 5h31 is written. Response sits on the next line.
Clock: 9h26
